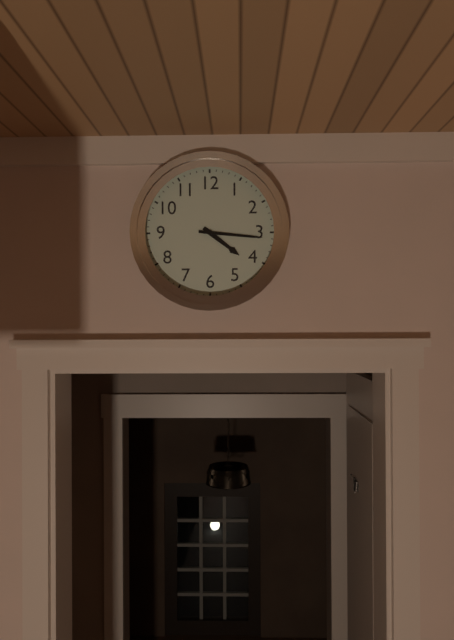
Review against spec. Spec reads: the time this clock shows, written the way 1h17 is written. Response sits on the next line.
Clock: 4h16
